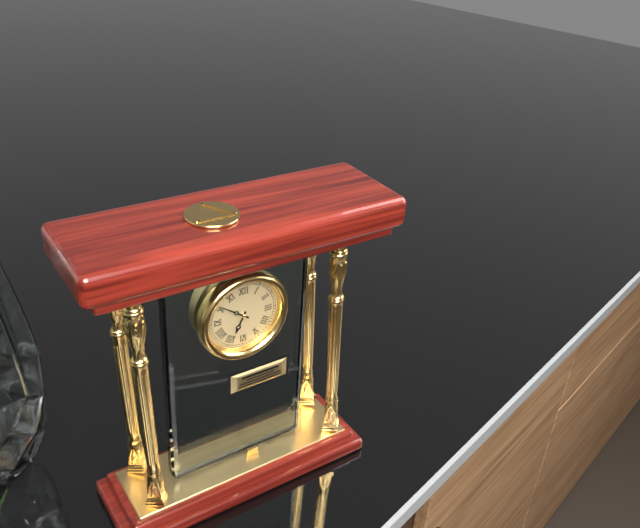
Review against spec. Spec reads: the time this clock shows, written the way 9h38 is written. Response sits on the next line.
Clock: 6h51
